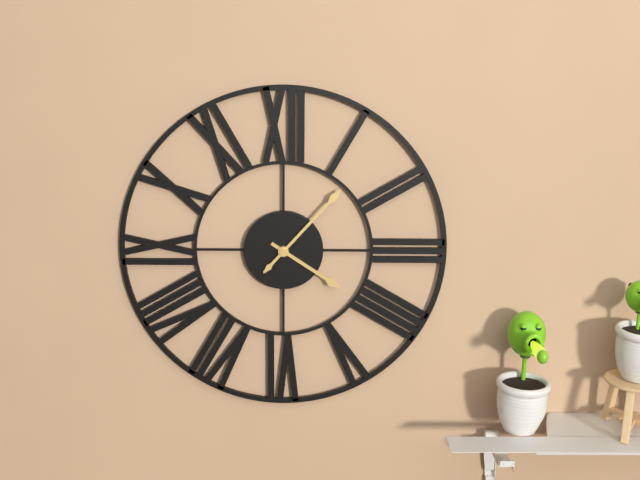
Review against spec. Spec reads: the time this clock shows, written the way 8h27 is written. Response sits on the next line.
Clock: 4h07
